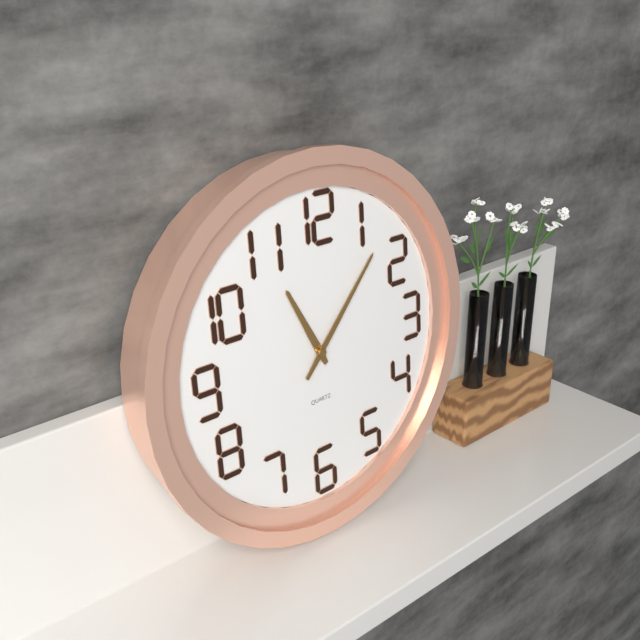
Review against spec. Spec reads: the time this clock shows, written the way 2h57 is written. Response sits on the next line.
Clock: 11h07
